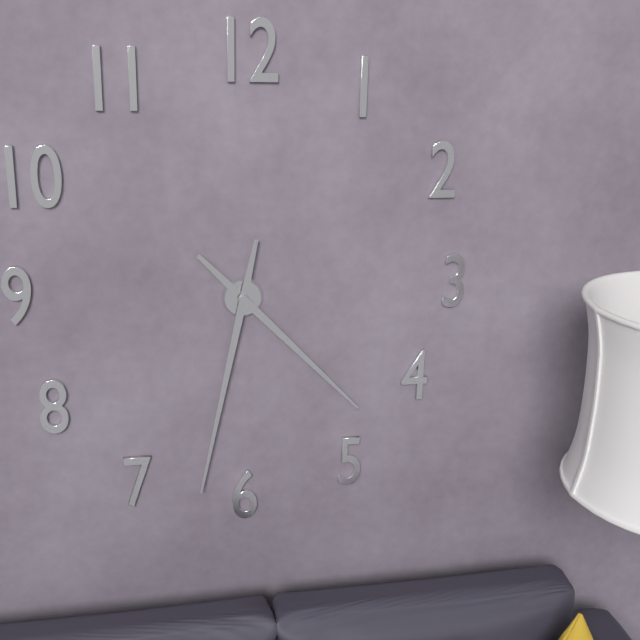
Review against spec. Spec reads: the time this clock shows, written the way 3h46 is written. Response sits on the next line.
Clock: 4h32
